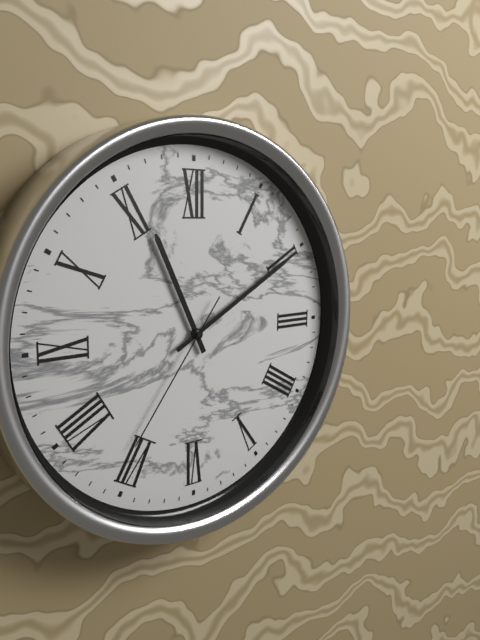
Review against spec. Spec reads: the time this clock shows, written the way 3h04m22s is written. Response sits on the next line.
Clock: 11h10m36s
